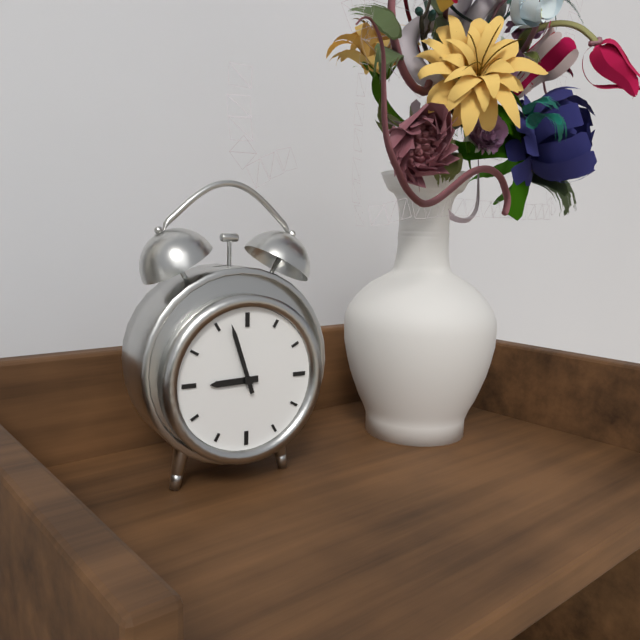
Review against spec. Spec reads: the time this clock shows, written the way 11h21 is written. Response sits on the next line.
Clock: 8h57
